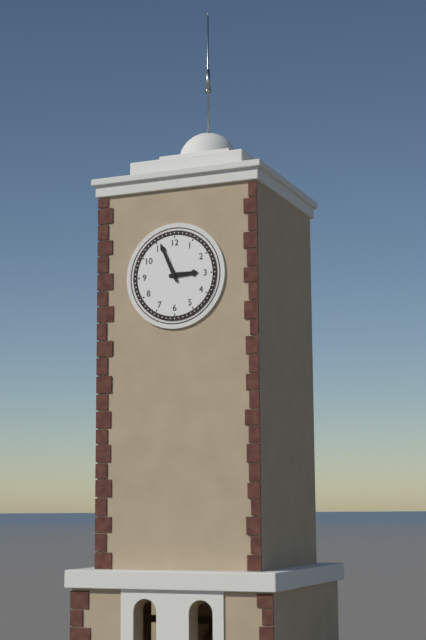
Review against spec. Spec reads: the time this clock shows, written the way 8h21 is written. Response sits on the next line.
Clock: 2h56
